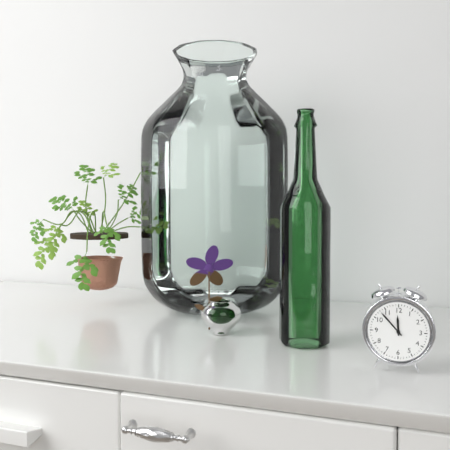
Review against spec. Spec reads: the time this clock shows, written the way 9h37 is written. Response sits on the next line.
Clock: 11h53
